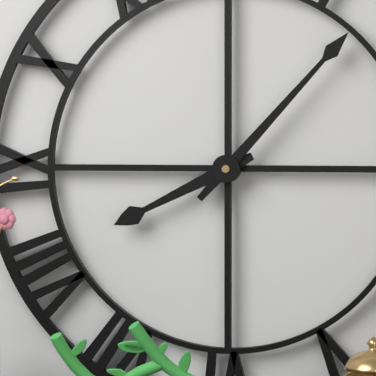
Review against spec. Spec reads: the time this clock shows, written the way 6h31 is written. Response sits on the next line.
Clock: 8h07
